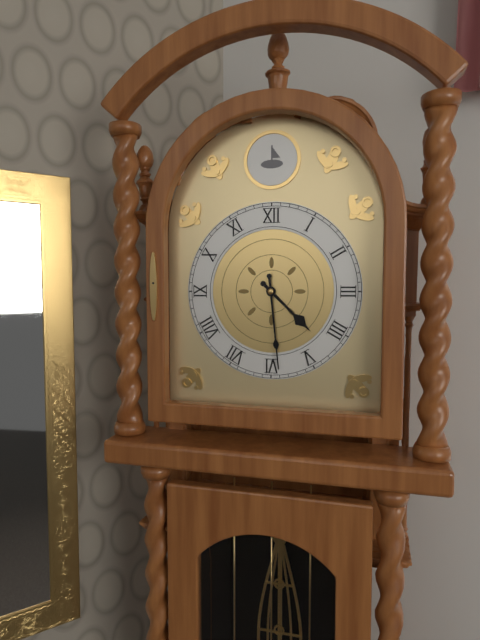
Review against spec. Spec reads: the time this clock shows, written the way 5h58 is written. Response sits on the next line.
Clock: 4h29
